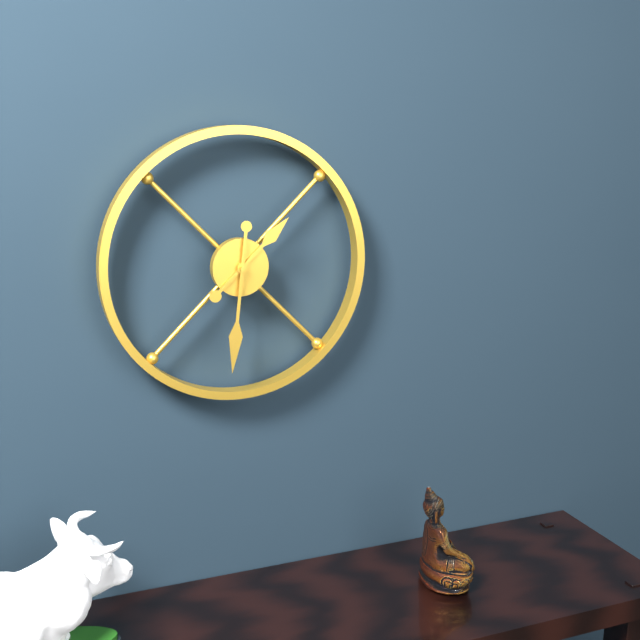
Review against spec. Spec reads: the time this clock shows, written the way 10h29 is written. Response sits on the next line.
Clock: 1h31
